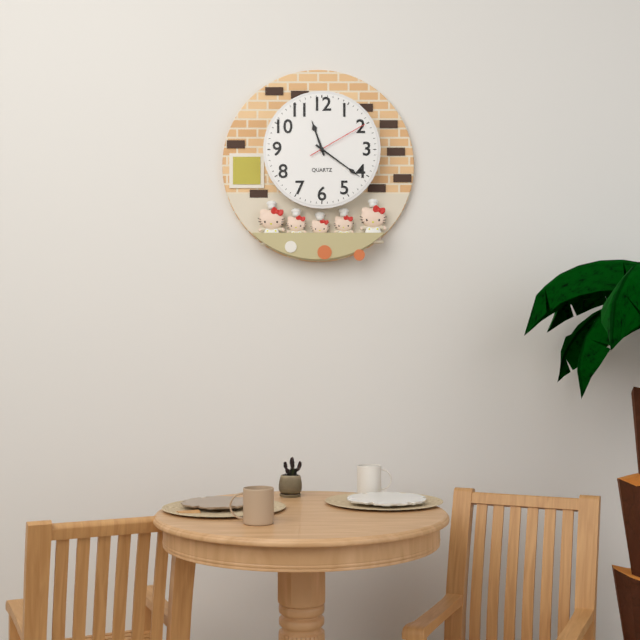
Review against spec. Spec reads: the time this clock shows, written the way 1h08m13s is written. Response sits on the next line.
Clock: 11h21m10s
